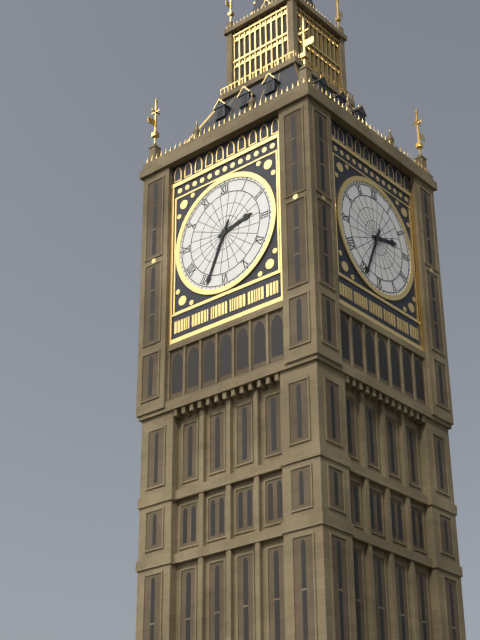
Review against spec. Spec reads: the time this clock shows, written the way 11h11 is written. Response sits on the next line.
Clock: 2h34
